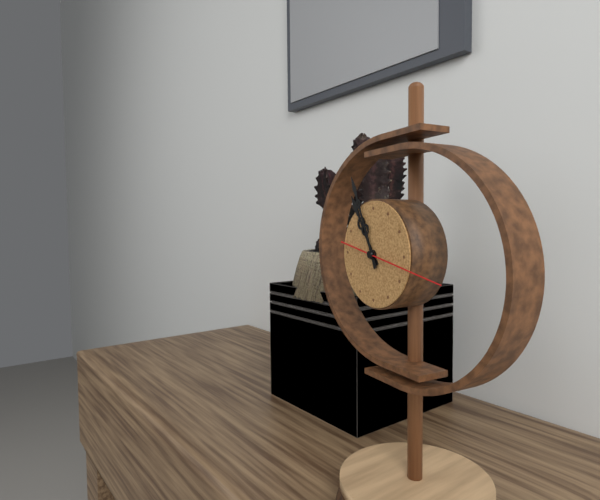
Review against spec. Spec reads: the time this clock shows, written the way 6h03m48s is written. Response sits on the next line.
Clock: 10h56m17s
